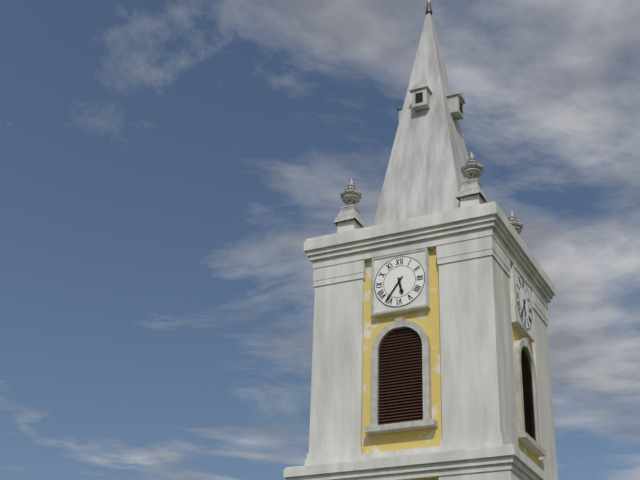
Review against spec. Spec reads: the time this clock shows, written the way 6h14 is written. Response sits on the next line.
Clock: 5h36
